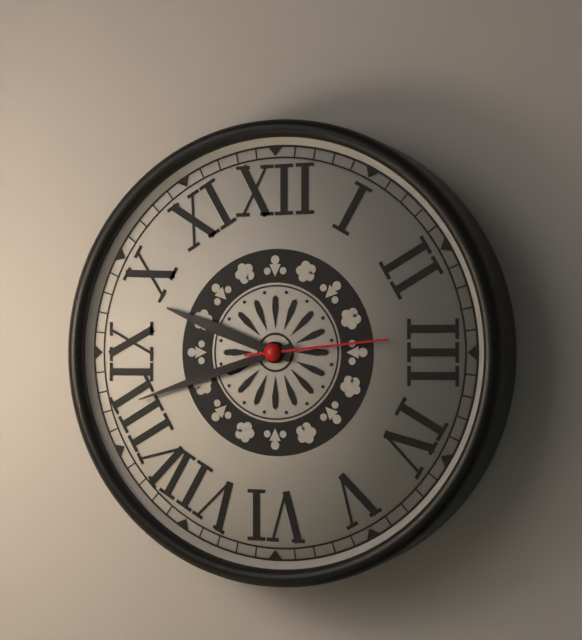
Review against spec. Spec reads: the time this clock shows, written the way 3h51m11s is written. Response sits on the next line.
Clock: 9h42m14s
